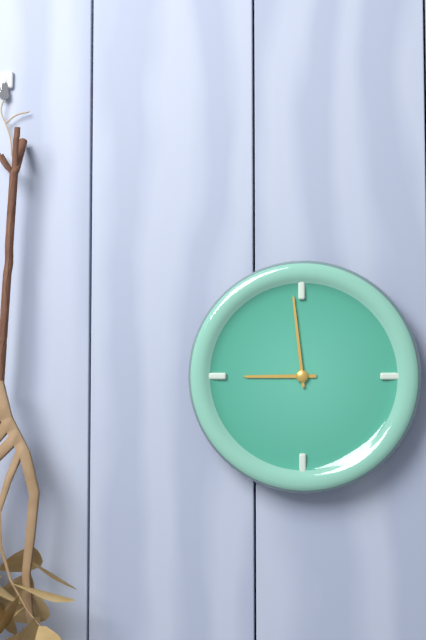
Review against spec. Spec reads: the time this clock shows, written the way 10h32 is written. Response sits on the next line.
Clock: 8h59
